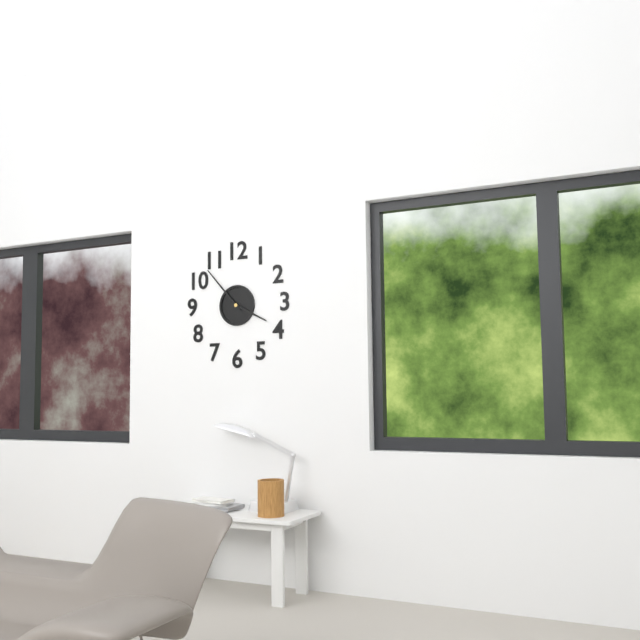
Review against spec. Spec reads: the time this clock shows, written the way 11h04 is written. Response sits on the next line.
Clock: 3h53
